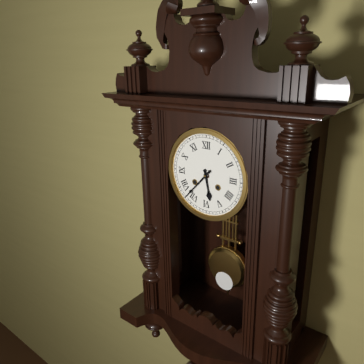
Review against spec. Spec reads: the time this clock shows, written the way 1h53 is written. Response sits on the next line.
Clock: 5h37
